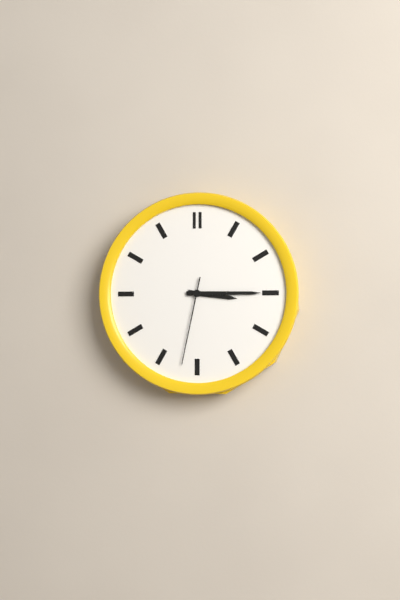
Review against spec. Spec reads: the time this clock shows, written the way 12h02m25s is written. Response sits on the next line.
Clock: 3h15m32s
